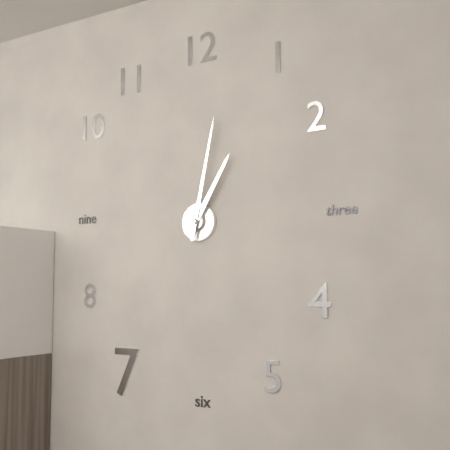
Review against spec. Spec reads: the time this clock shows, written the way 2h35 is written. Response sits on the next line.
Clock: 1h02
